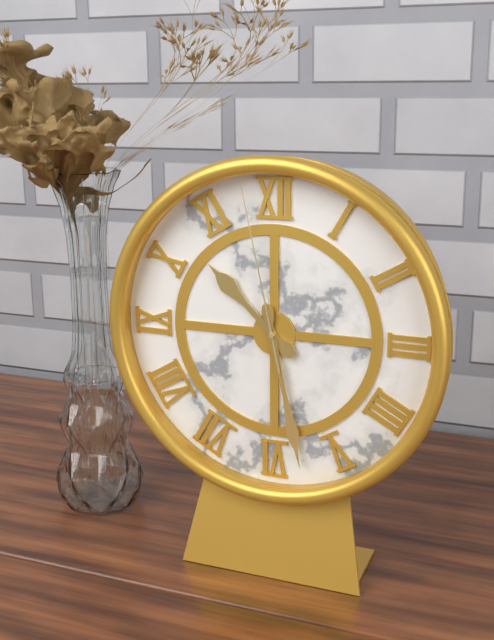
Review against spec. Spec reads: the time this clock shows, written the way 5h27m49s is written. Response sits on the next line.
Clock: 10h28m58s
